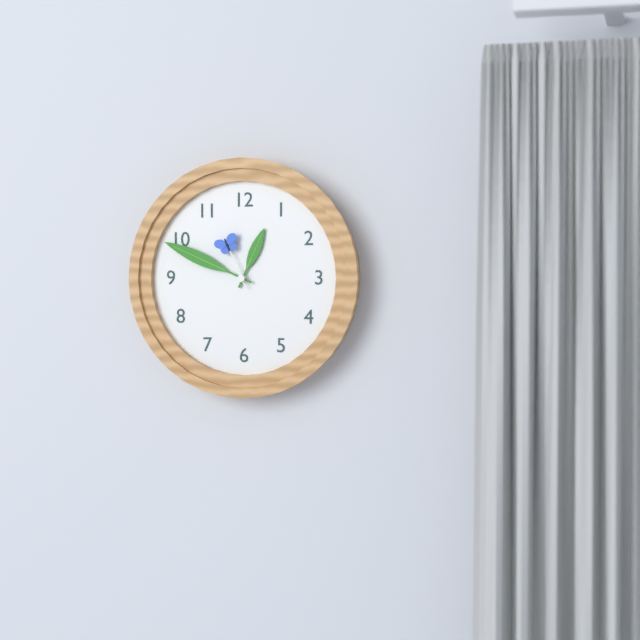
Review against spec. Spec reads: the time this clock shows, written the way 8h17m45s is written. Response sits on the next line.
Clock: 12h49m56s
